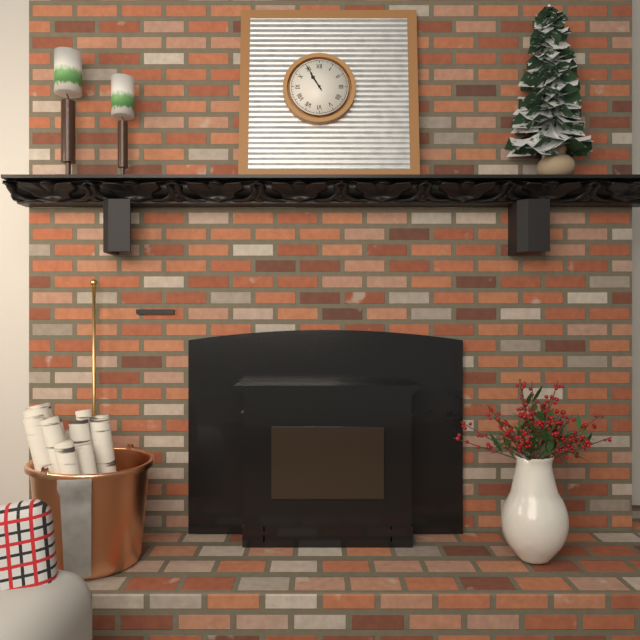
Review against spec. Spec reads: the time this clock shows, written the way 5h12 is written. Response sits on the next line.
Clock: 10h55
